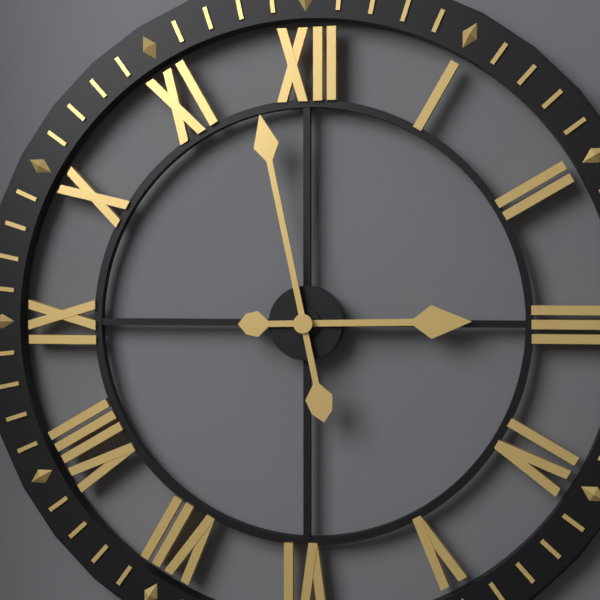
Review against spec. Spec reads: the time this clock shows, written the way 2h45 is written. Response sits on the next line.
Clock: 2h58
